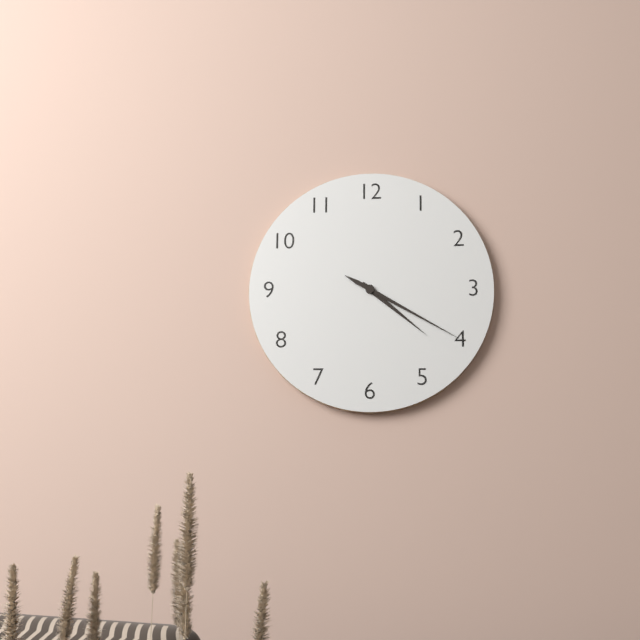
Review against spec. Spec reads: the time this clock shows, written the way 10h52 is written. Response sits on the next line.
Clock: 4h20
